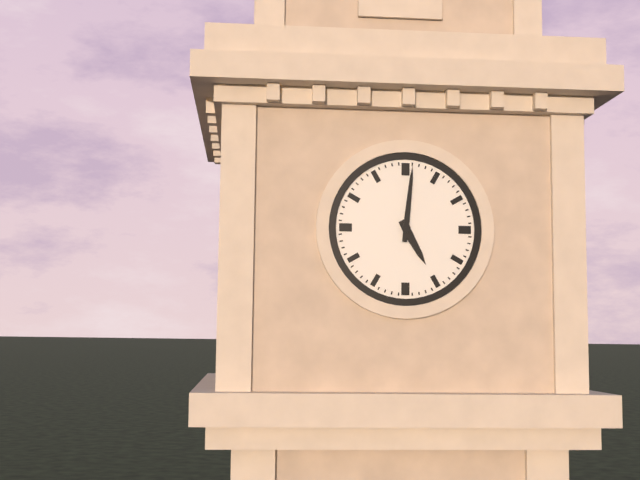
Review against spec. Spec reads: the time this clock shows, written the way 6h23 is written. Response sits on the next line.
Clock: 5h01
